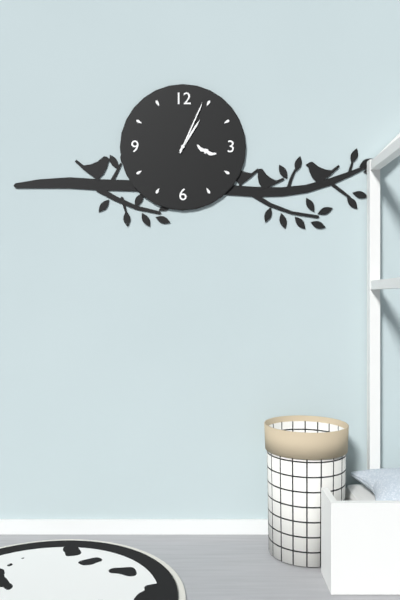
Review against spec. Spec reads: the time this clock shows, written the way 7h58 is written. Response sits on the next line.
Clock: 1h04
